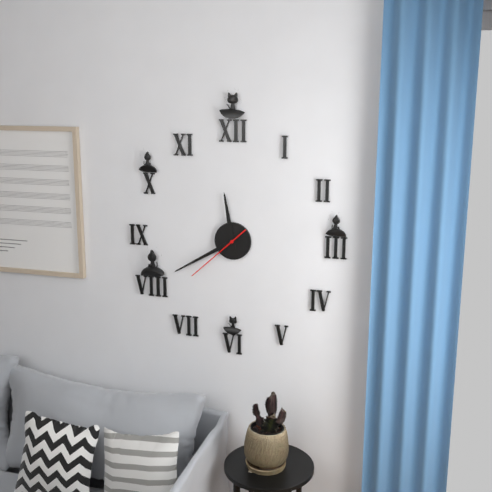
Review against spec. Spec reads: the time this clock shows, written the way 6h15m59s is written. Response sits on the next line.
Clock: 11h40m38s
